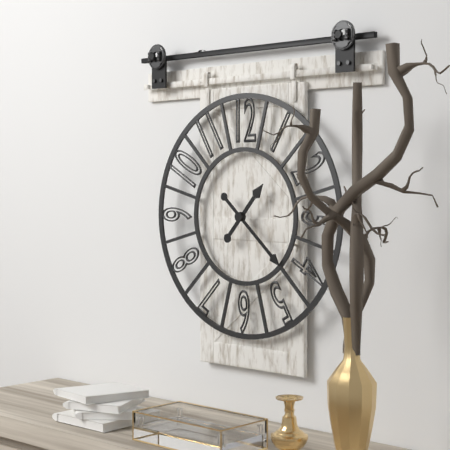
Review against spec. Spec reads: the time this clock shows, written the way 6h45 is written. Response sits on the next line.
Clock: 1h22
